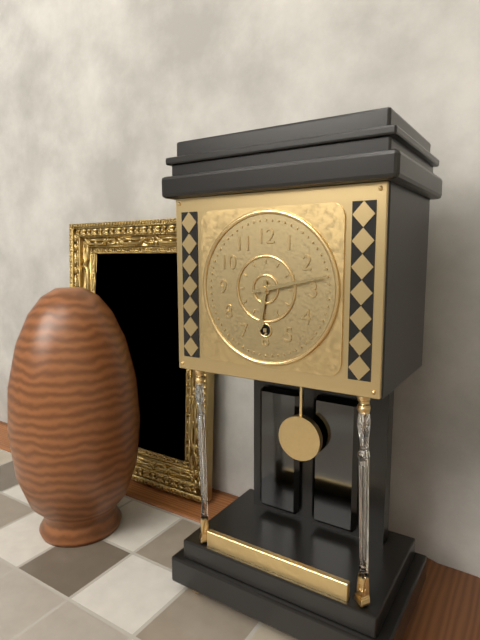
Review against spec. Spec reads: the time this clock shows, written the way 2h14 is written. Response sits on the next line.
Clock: 6h13
